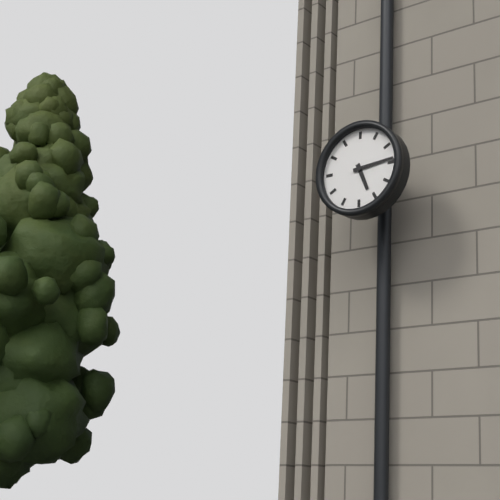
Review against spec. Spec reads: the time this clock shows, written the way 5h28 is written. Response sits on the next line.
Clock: 5h14
